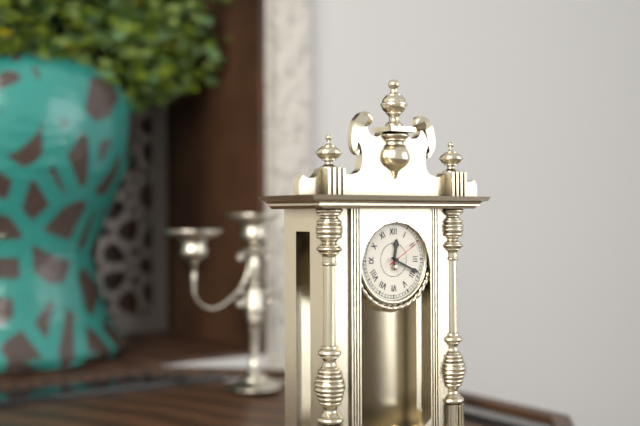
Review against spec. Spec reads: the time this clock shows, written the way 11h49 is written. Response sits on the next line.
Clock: 12h19
